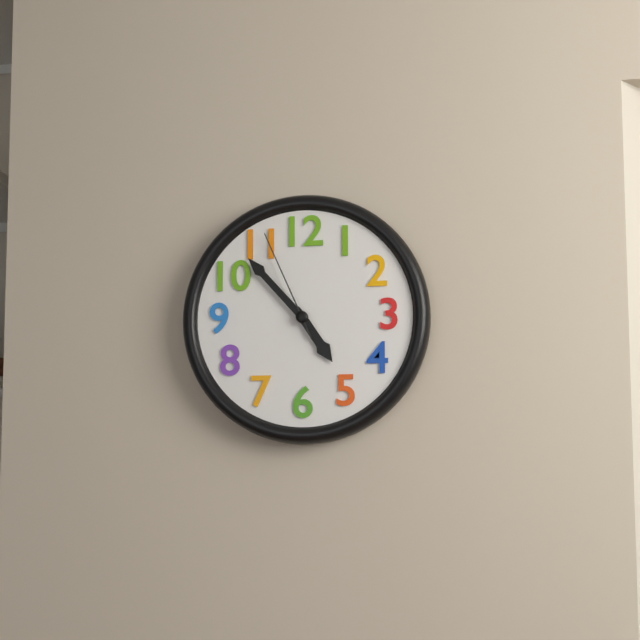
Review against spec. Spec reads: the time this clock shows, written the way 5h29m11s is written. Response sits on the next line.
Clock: 4h53m56s
